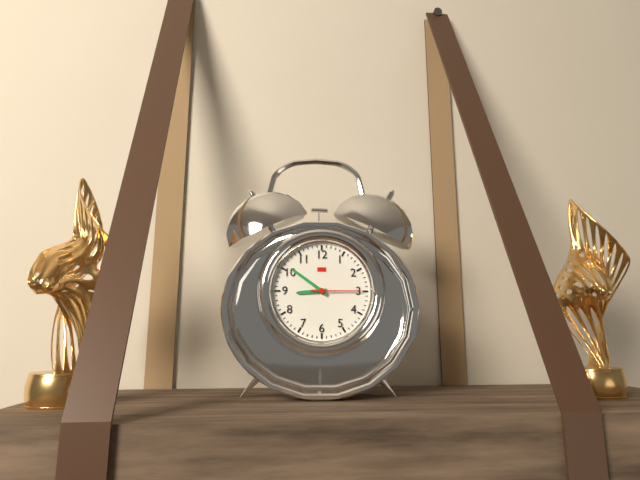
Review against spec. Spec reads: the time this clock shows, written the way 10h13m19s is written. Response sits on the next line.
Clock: 8h51m15s
